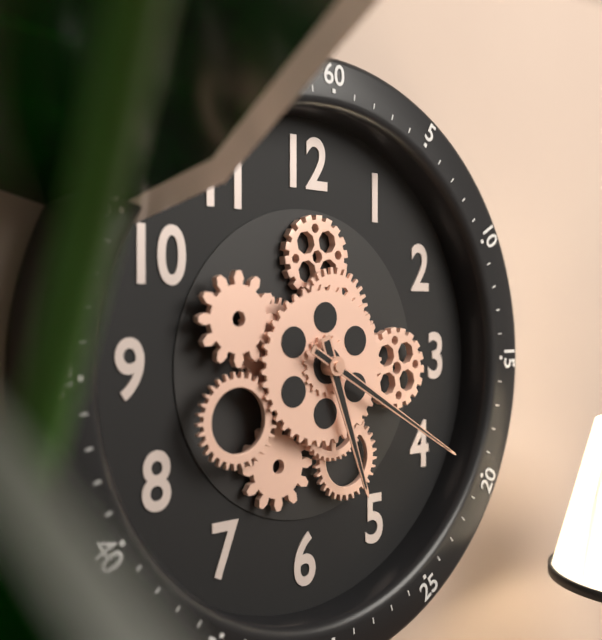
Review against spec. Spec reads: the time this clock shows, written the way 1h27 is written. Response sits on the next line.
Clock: 5h20
